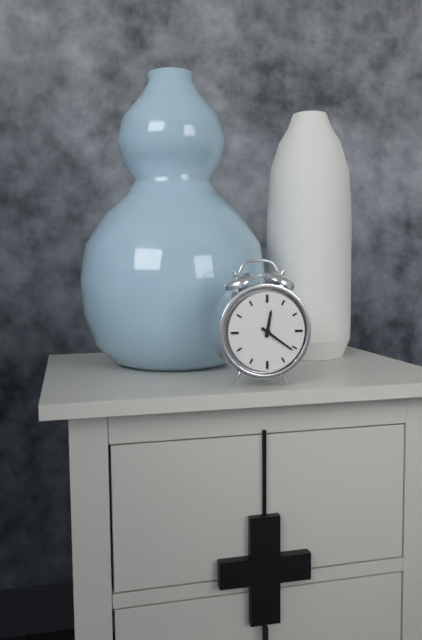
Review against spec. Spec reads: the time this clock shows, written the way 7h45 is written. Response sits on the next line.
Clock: 12h21
